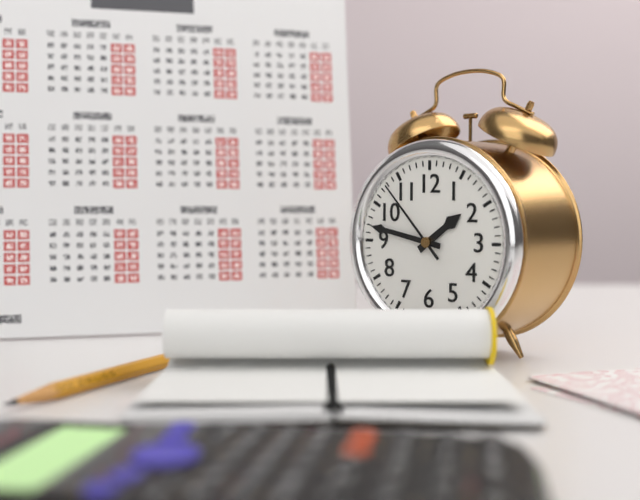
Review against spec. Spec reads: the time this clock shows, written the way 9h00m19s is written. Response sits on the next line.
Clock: 1h47m53s
